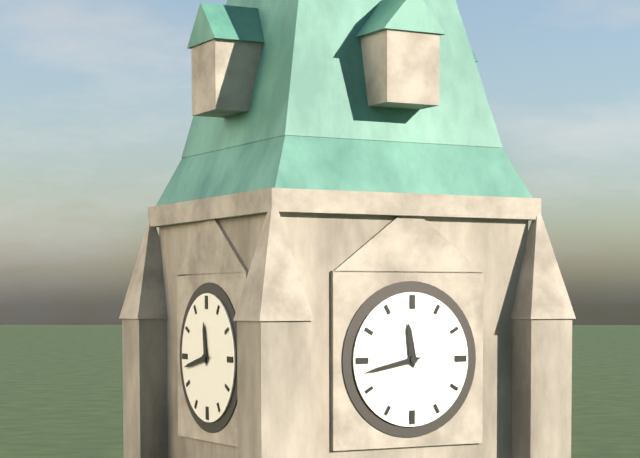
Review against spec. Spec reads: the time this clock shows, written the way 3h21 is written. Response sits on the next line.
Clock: 11h43
